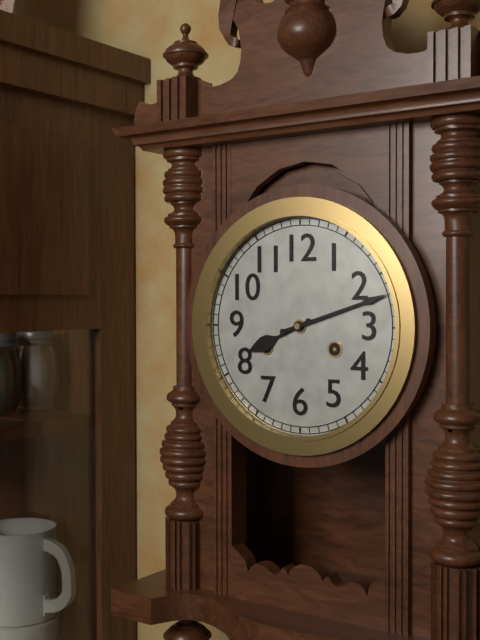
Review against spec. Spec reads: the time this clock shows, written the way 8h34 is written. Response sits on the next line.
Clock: 8h12
